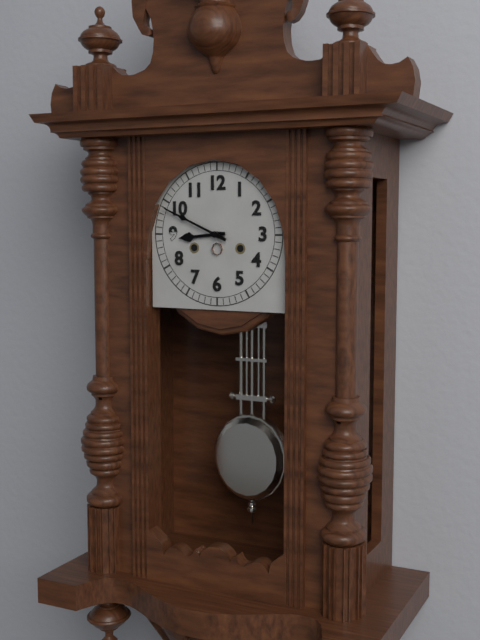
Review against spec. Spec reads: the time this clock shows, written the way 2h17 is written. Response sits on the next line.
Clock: 8h49
